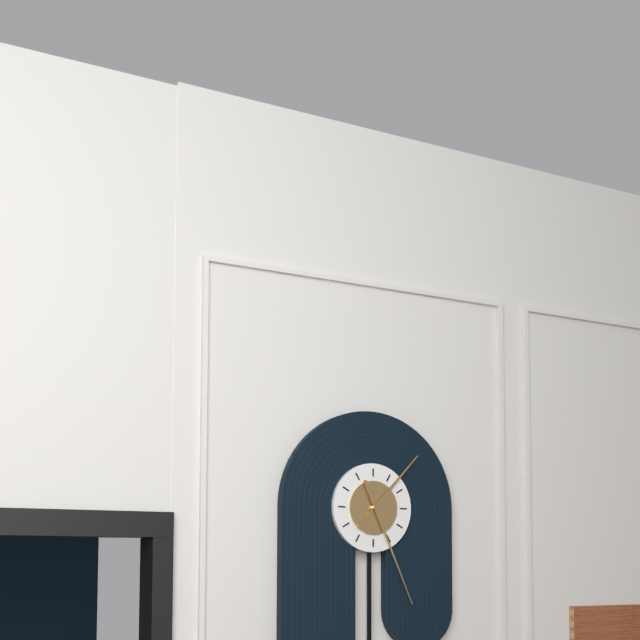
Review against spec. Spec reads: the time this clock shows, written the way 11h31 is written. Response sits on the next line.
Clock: 1h26
